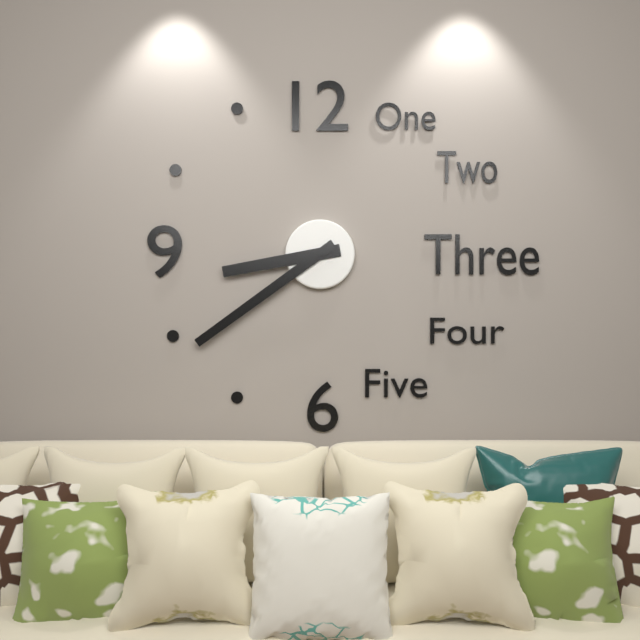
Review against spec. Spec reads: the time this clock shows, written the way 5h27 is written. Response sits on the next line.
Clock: 8h39
